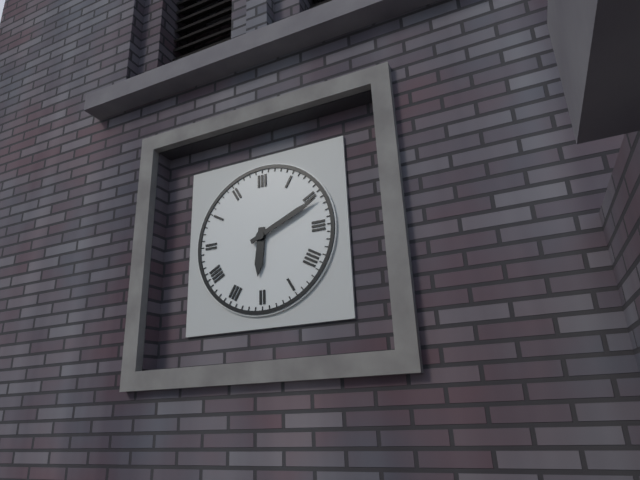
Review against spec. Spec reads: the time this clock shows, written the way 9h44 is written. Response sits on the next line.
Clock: 6h11
